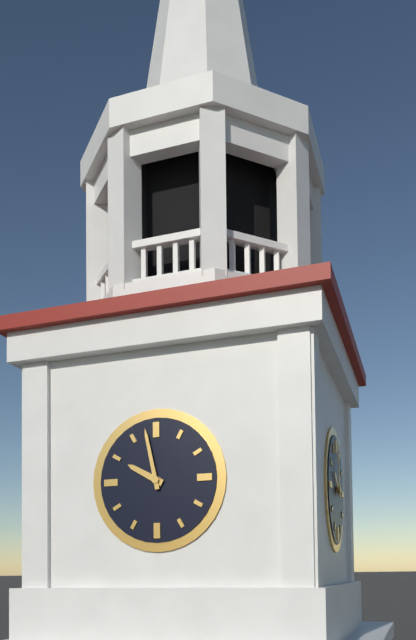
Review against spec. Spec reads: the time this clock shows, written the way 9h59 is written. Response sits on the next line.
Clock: 9h58
